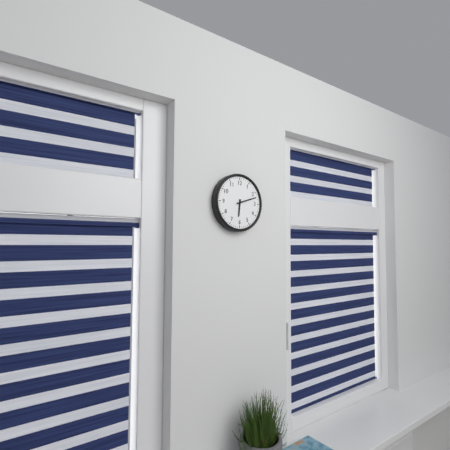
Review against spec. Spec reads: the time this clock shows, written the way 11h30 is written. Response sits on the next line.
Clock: 6h12
